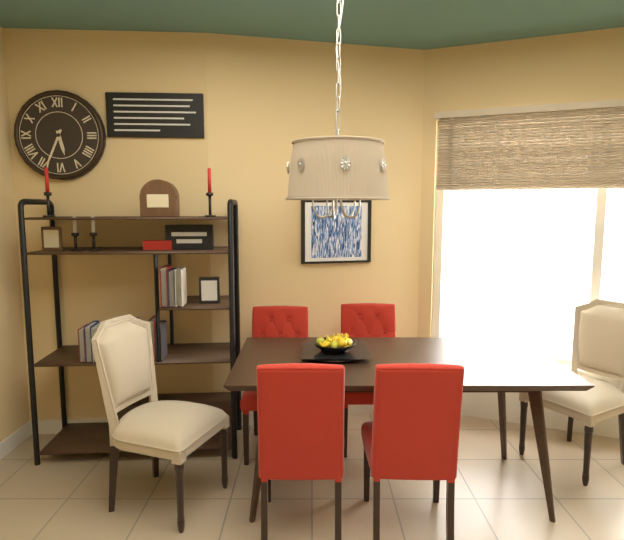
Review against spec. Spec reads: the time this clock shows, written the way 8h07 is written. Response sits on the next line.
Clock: 5h34
